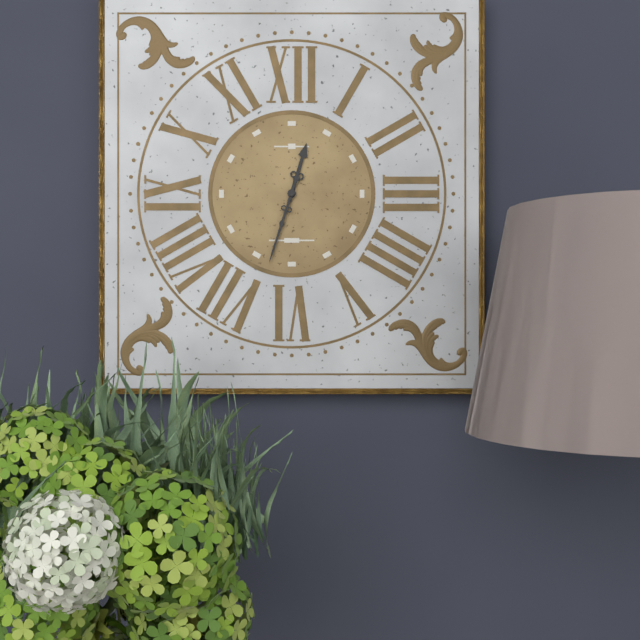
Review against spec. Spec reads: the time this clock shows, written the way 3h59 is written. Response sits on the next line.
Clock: 12h33
